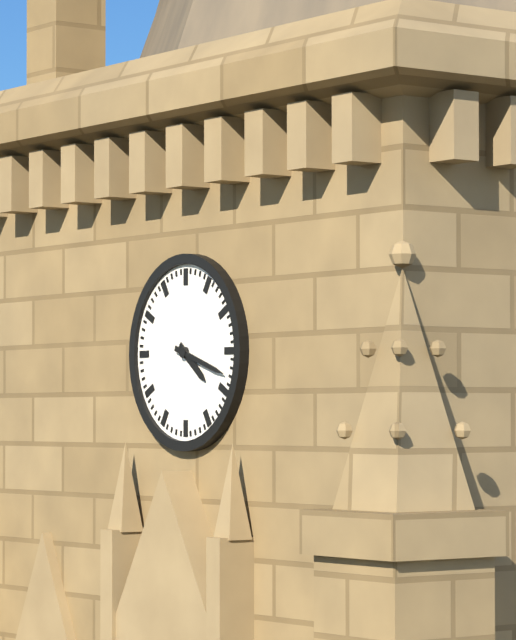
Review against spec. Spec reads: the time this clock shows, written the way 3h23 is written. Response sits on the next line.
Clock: 4h18
